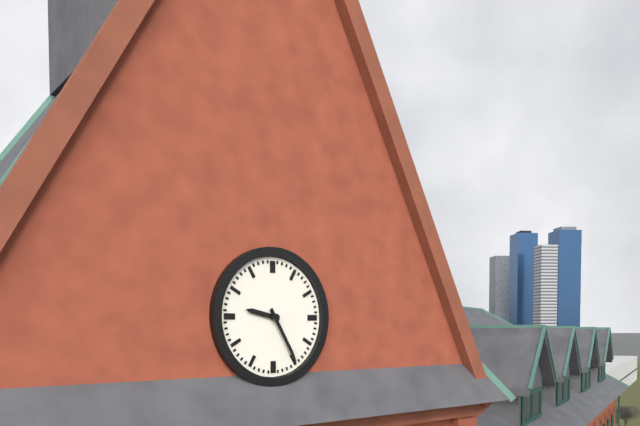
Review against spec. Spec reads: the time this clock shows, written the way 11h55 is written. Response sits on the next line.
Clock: 9h25
